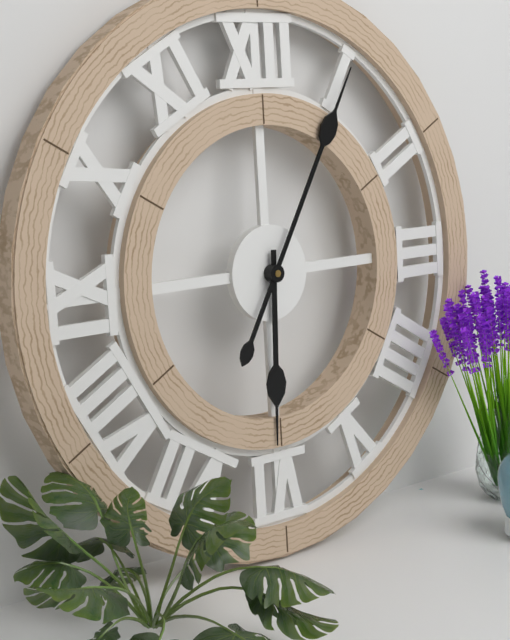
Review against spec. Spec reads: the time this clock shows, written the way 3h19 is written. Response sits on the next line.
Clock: 6h05
